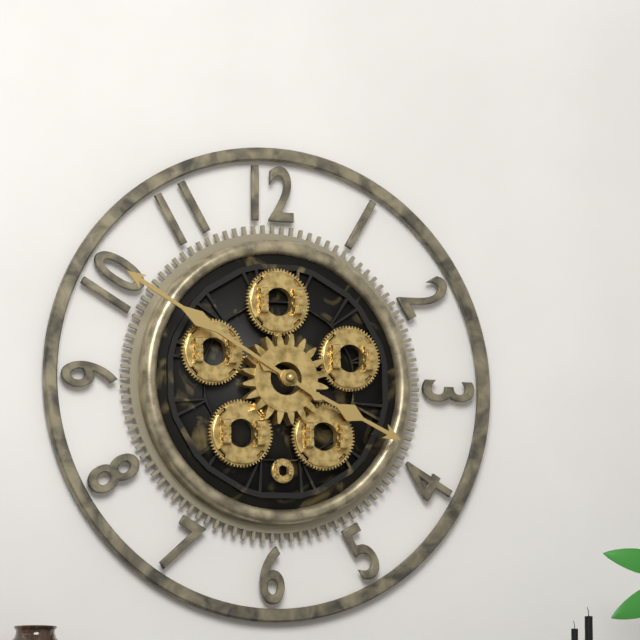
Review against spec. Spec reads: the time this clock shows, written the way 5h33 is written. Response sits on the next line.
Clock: 3h50
